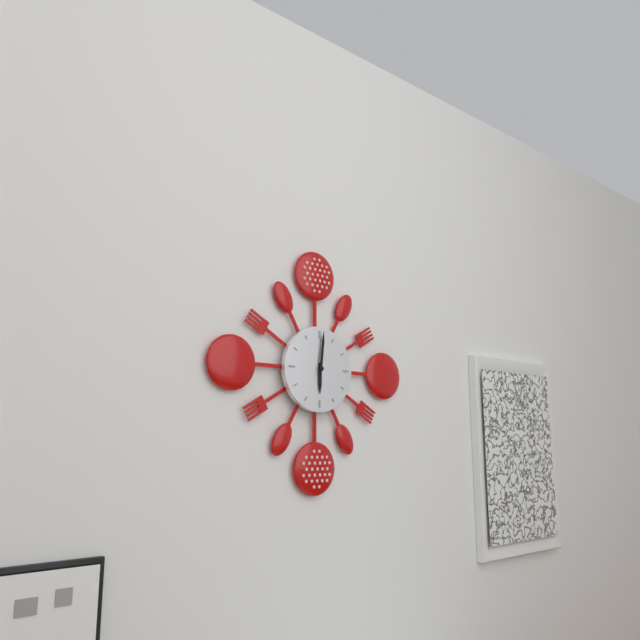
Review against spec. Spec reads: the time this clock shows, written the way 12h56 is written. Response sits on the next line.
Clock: 6h01
